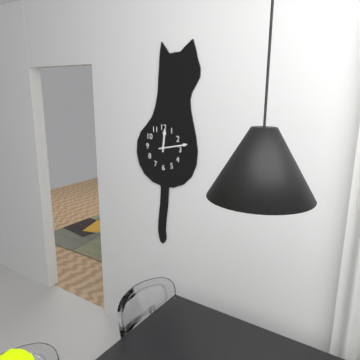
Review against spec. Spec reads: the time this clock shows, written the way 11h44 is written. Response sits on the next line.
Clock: 12h13
